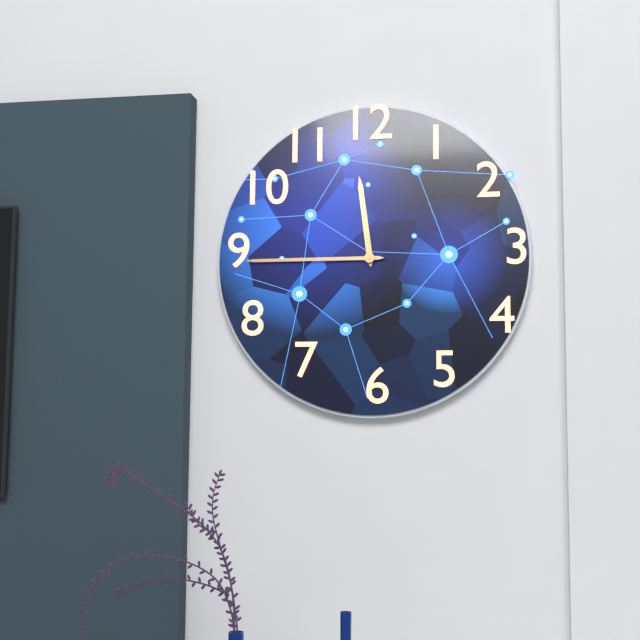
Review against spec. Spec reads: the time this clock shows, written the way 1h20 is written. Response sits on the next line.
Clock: 11h45
